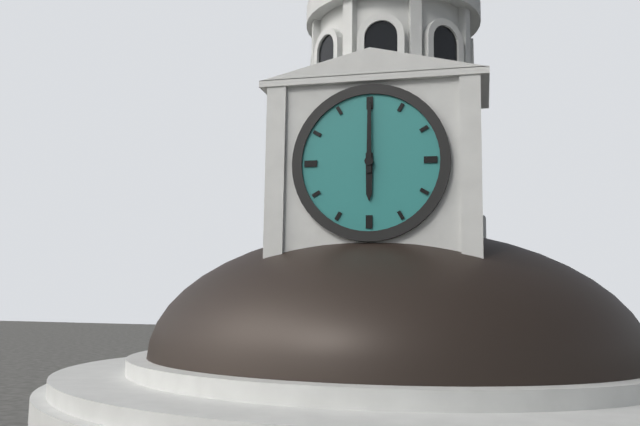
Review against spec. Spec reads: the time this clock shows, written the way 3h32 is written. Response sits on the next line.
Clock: 6h00
